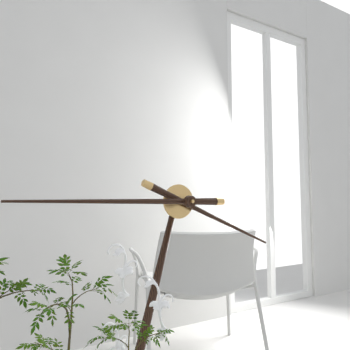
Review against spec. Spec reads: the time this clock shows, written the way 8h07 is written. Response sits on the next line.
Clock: 3h45
